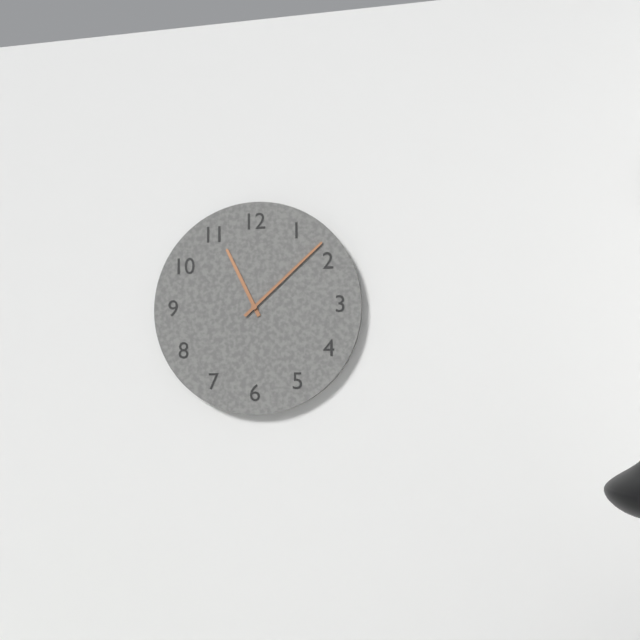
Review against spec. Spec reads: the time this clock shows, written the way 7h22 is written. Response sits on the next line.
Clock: 11h08
